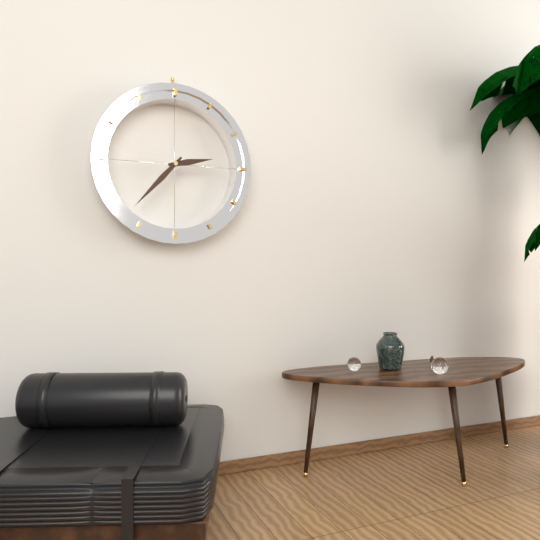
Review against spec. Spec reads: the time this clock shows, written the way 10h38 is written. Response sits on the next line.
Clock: 2h37
